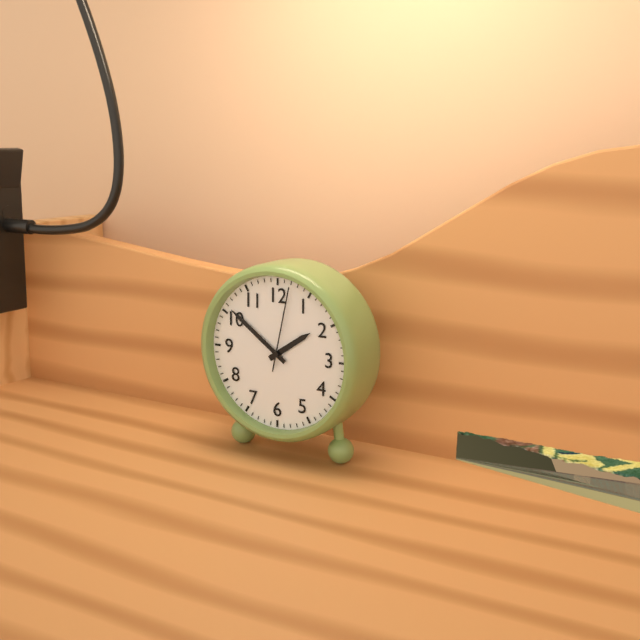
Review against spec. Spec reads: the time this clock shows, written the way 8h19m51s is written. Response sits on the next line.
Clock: 1h51m02s
